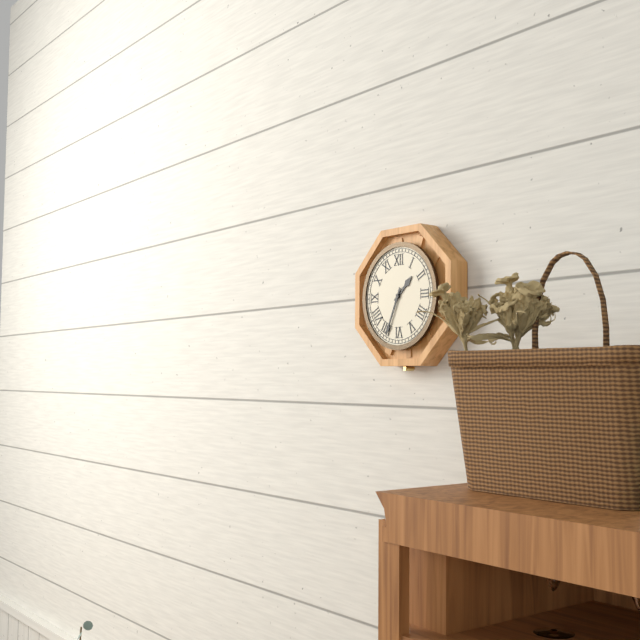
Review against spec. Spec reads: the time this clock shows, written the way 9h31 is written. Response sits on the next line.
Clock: 1h34
